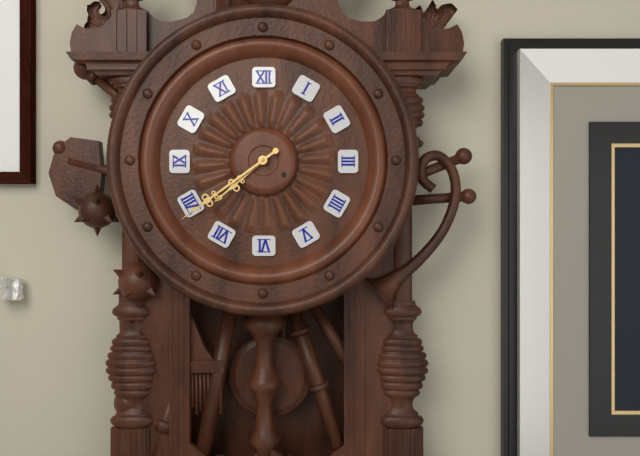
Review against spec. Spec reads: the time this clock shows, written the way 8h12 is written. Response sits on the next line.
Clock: 7h39
